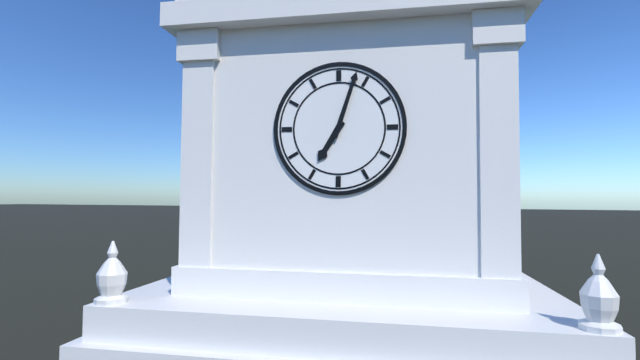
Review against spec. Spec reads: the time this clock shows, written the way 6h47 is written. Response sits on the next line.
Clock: 7h03
